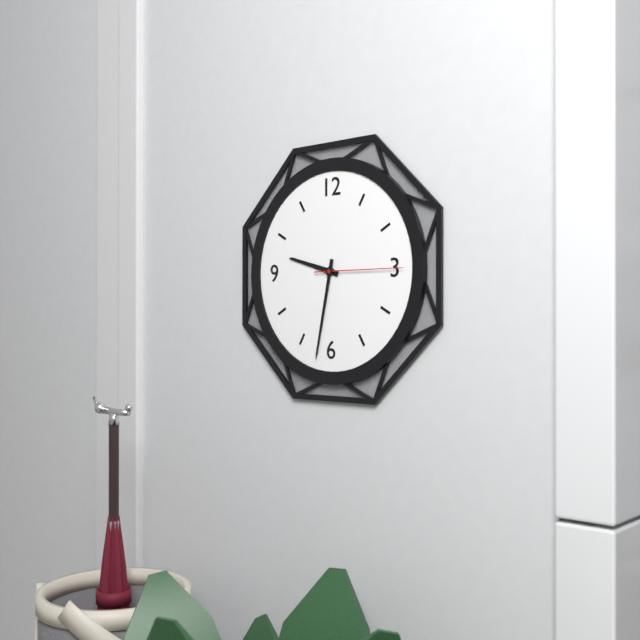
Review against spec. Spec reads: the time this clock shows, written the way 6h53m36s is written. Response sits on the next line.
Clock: 9h32m15s
